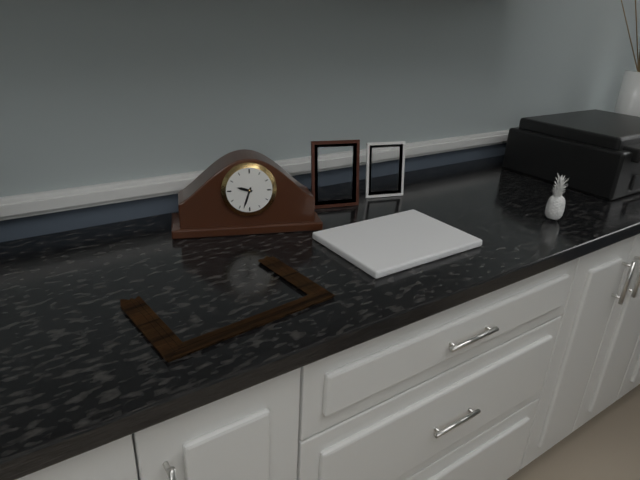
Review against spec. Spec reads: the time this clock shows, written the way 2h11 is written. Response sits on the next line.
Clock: 9h33
